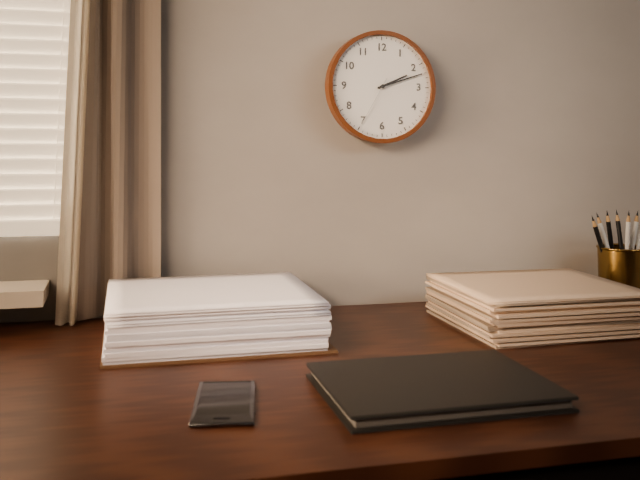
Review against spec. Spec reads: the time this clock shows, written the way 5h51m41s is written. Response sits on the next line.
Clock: 2h12m35s
